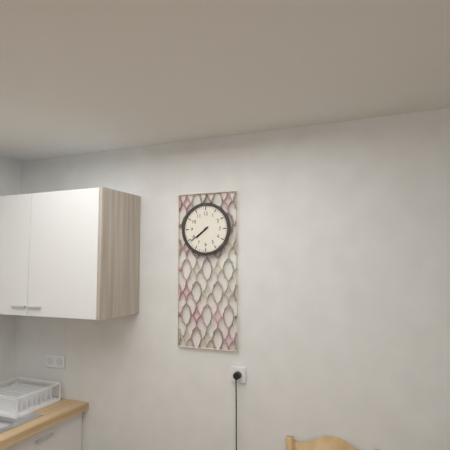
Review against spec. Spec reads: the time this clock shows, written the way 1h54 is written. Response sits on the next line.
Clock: 7h39
